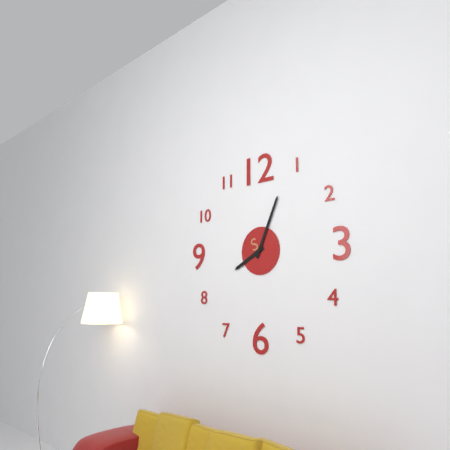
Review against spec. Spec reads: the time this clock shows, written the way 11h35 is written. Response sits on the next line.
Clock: 8h04
